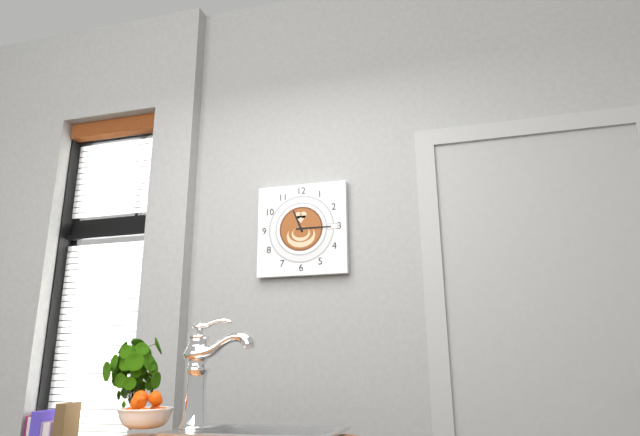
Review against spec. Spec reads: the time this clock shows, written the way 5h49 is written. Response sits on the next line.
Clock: 11h15
